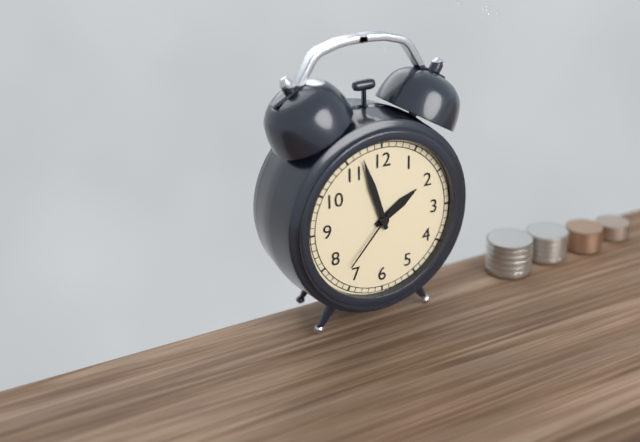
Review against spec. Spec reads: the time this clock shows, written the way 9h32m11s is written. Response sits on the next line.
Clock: 1h57m37s
